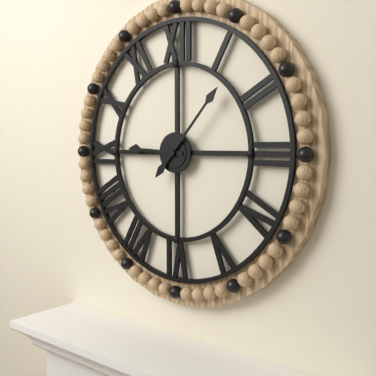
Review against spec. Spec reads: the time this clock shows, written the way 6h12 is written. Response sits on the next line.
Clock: 9h07
